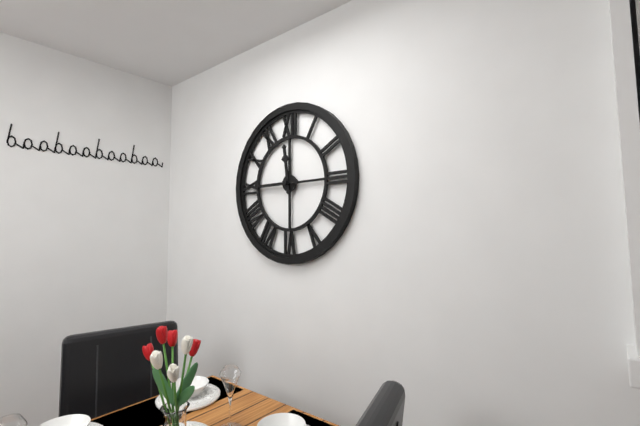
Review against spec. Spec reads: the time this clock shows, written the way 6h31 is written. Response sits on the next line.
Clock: 11h45
